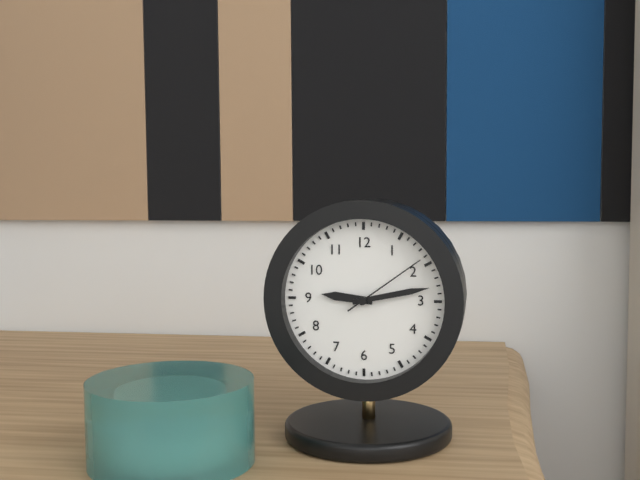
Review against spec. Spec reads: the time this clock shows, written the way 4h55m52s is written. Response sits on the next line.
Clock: 9h13m09s
